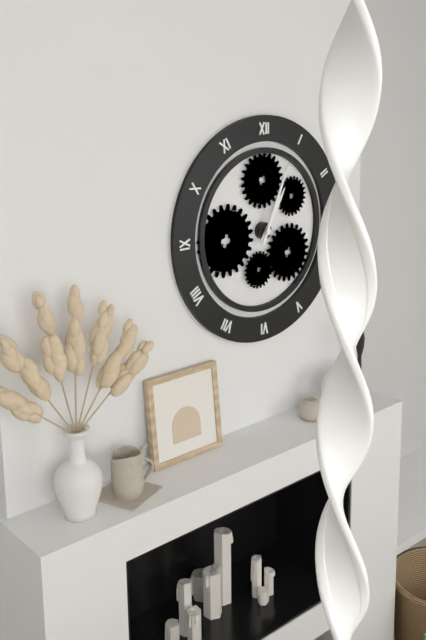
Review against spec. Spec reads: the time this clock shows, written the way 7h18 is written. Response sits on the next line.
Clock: 1h04
